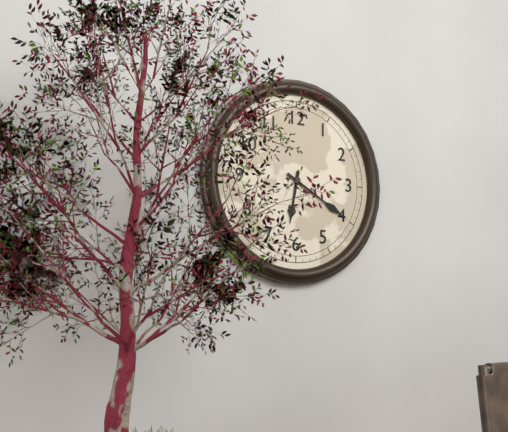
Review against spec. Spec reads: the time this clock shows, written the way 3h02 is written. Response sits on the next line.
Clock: 6h20
